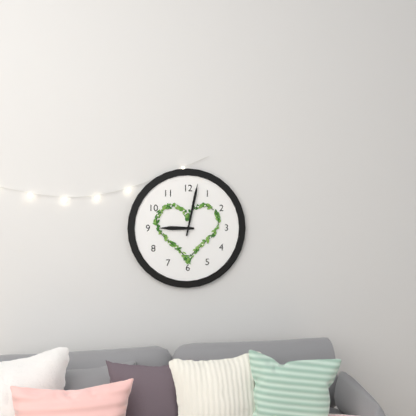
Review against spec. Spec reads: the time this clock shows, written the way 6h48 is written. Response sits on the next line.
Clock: 9h02
